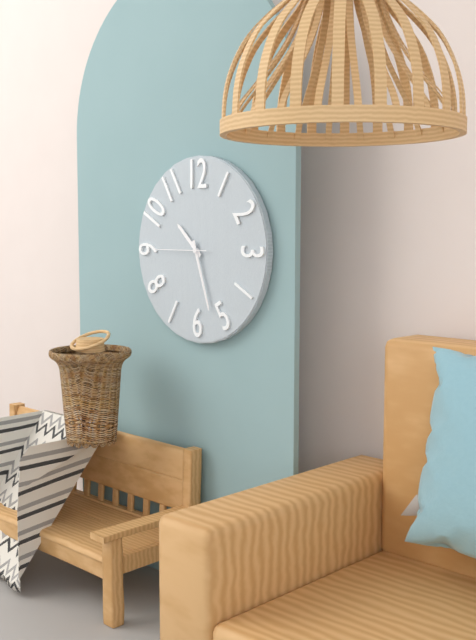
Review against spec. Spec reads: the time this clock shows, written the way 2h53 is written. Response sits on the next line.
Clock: 10h27
